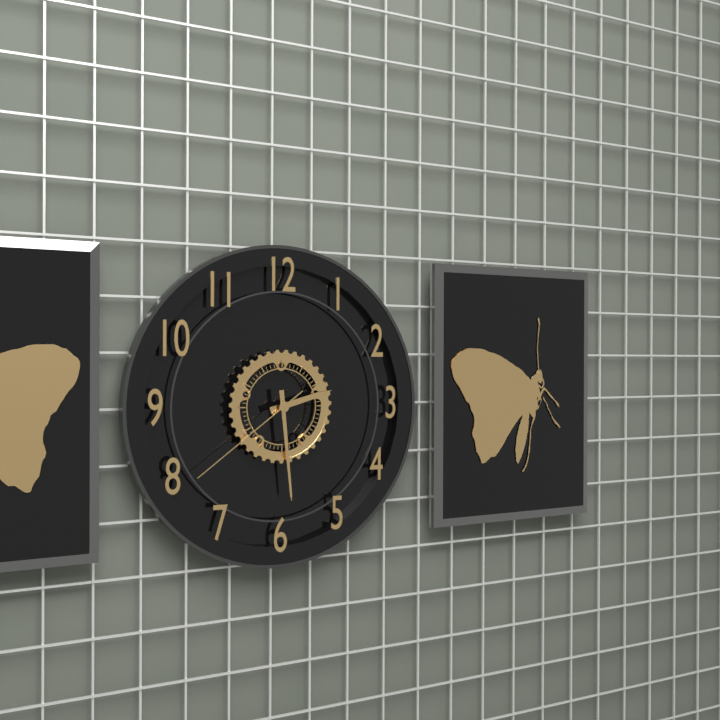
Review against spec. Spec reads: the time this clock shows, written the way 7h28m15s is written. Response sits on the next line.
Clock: 2h29m39s
